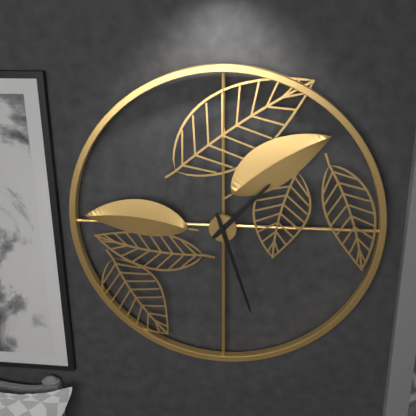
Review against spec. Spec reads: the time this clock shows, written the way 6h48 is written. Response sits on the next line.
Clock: 1h27
